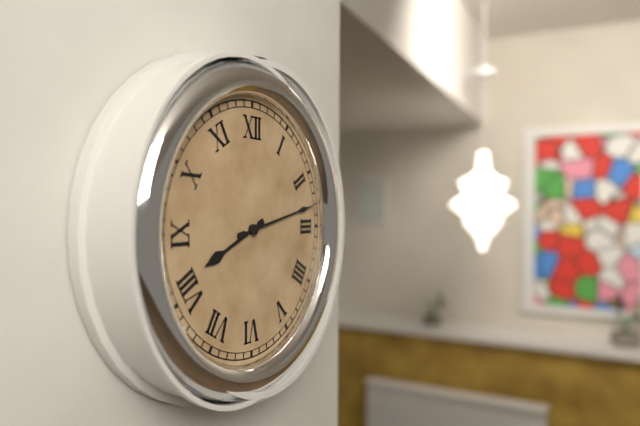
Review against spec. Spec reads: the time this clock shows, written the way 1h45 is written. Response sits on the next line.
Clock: 8h13
